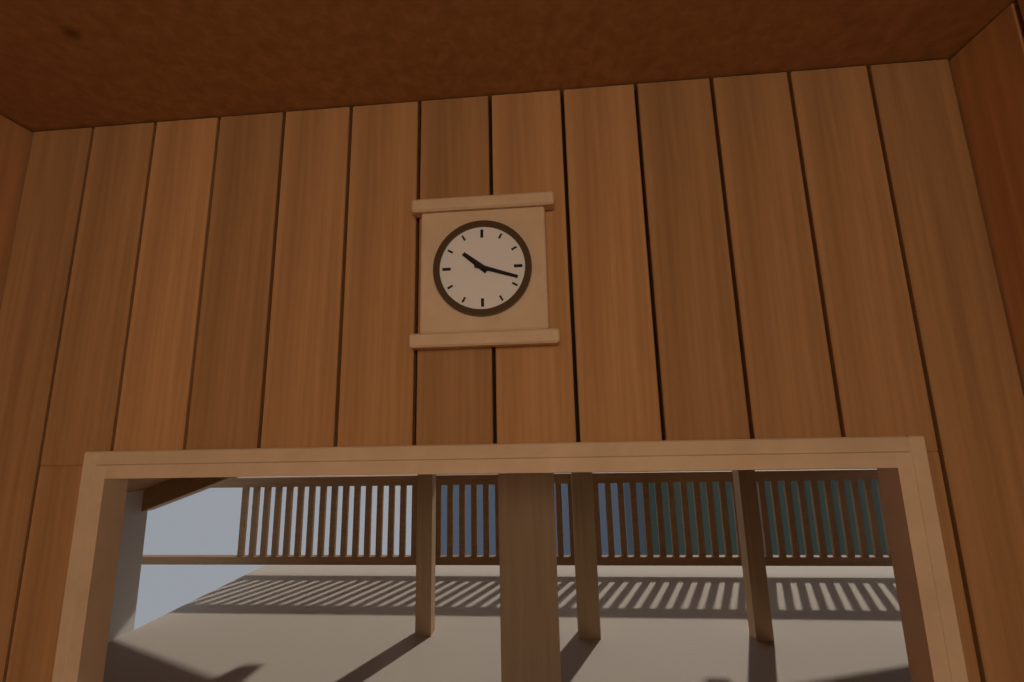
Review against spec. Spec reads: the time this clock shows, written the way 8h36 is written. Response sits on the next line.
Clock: 10h18
